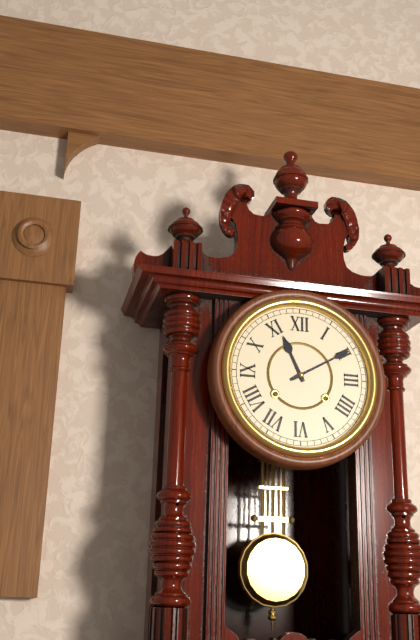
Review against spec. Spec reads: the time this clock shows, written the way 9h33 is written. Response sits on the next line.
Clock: 11h10
